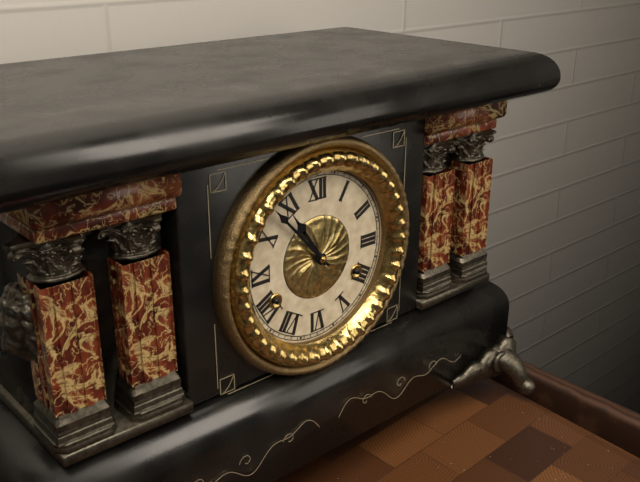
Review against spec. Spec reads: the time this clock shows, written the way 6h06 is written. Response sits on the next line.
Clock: 10h53
